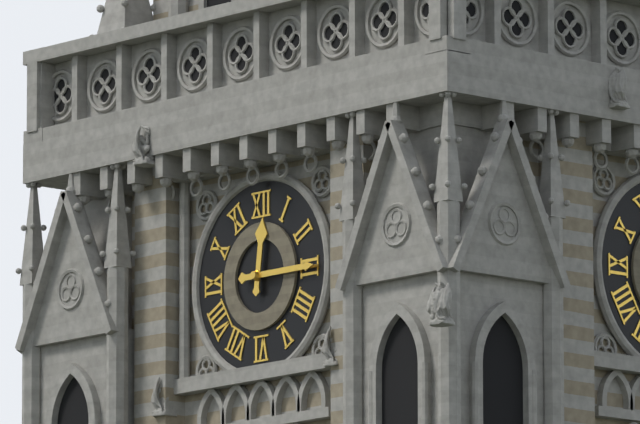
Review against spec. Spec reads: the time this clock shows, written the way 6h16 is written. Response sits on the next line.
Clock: 12h15
